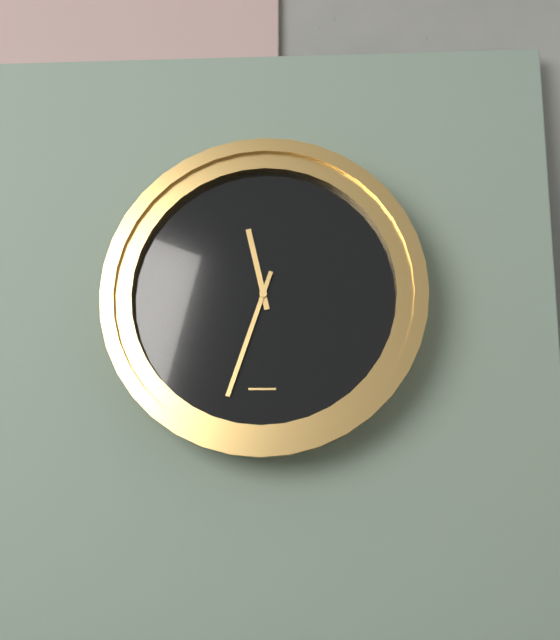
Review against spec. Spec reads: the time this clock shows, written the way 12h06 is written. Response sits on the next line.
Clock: 11h33
